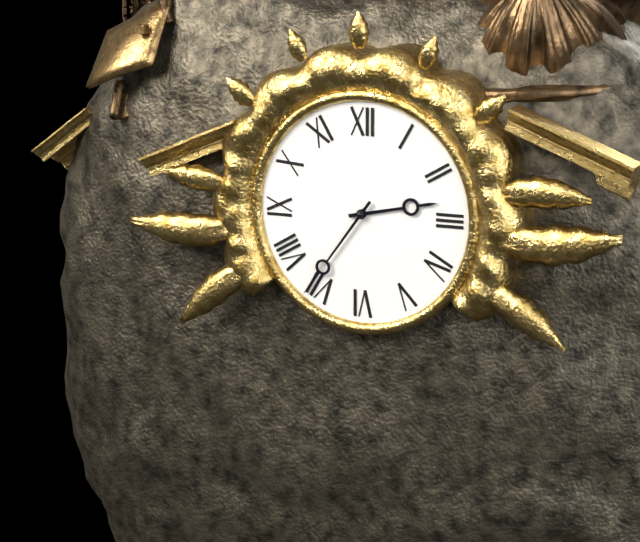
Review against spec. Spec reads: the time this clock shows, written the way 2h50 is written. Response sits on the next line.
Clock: 2h36
